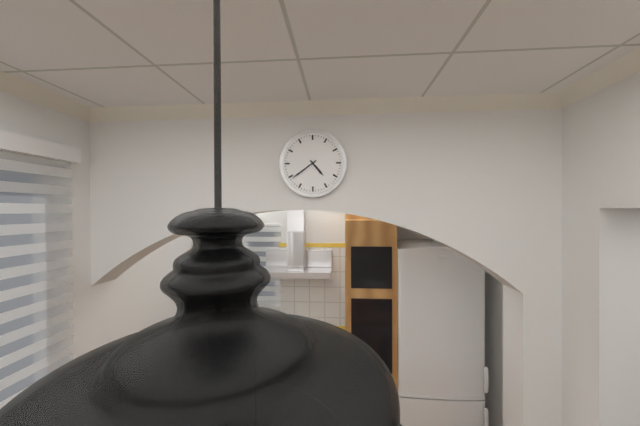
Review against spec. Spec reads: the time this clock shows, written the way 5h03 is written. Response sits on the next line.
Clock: 4h39
